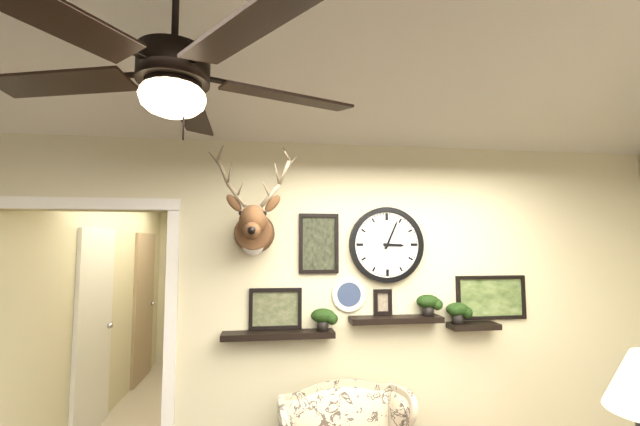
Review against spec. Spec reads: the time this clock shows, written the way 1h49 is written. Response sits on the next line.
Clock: 3h04
